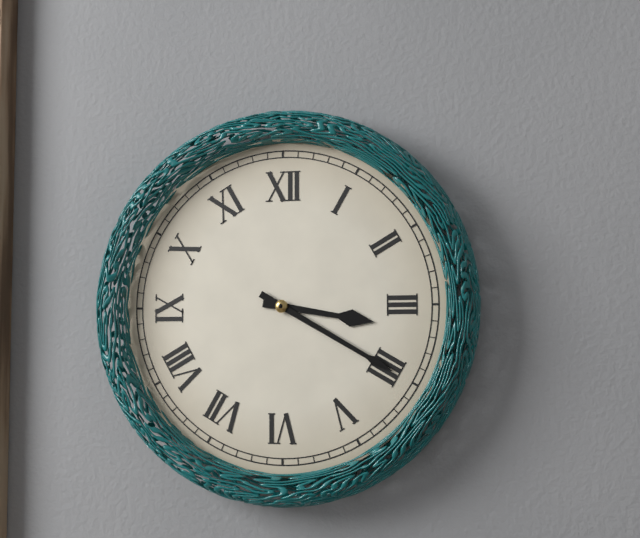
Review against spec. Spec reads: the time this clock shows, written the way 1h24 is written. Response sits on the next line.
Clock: 3h20
